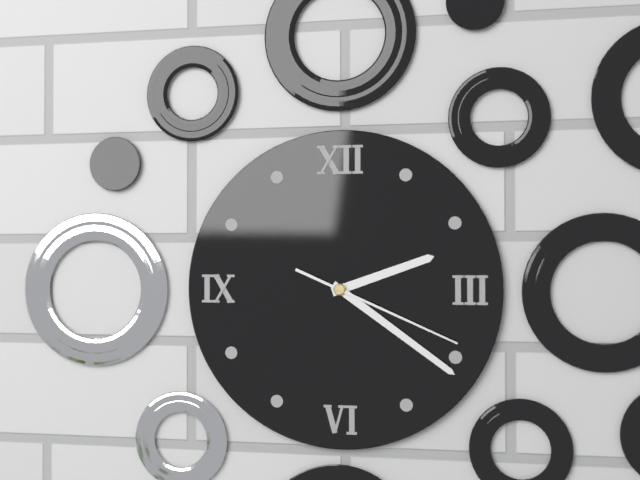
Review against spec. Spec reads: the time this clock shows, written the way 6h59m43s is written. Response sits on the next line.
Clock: 2h21m19s
